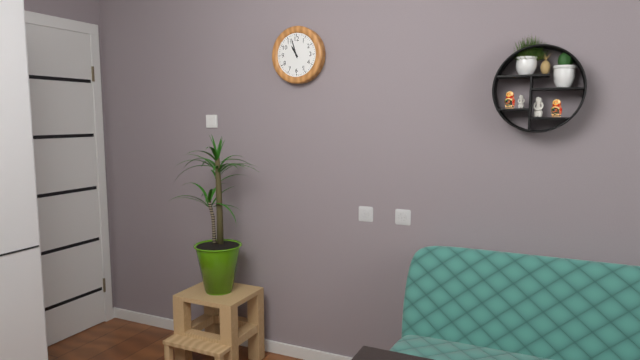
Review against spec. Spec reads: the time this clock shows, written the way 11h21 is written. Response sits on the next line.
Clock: 10h57
